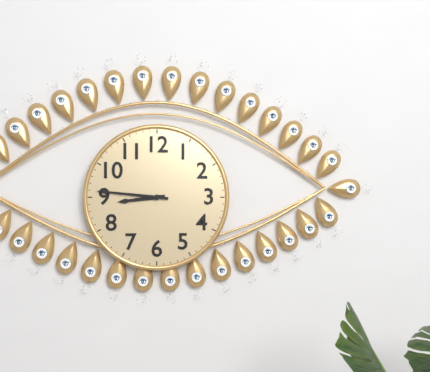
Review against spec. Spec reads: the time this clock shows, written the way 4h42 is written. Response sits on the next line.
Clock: 8h46
